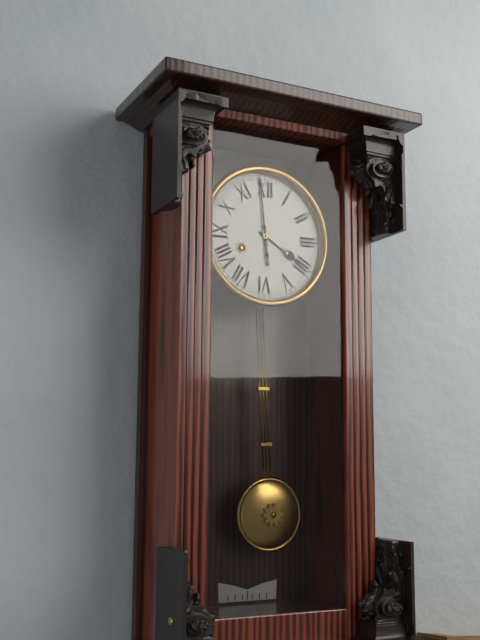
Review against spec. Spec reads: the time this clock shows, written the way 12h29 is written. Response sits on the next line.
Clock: 3h59
